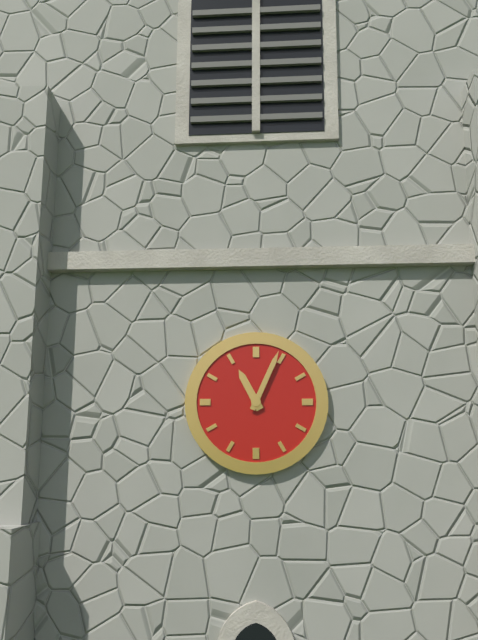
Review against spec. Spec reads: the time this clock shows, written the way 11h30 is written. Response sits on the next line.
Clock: 11h04
